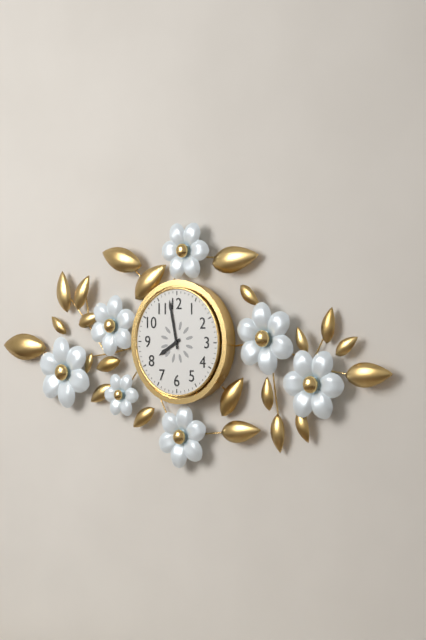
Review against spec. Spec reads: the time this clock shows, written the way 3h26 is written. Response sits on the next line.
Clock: 7h58
